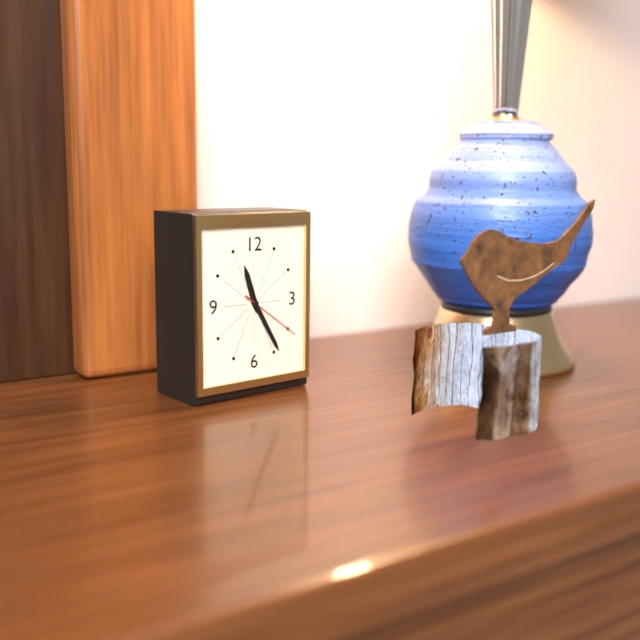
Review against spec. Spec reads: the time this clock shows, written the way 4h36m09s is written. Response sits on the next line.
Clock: 11h25m21s
